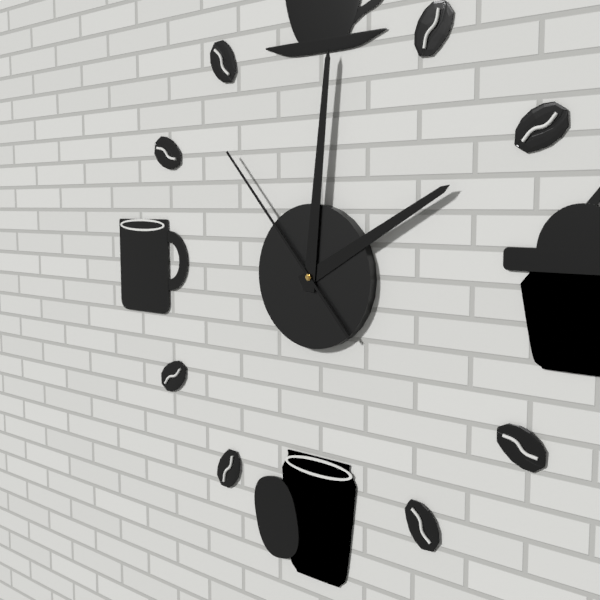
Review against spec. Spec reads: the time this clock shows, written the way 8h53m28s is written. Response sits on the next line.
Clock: 2h01m53s
